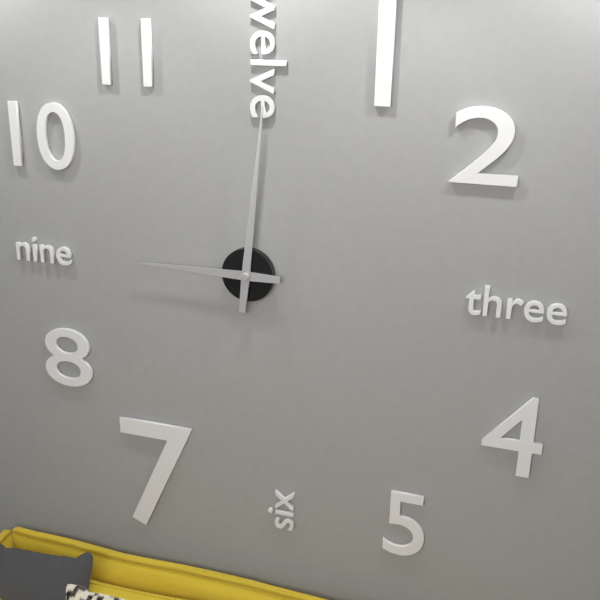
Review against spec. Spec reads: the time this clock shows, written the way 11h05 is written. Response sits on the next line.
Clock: 9h01
